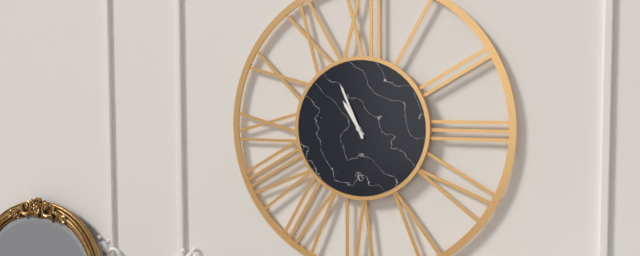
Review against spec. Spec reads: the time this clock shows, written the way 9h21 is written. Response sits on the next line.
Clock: 10h56
